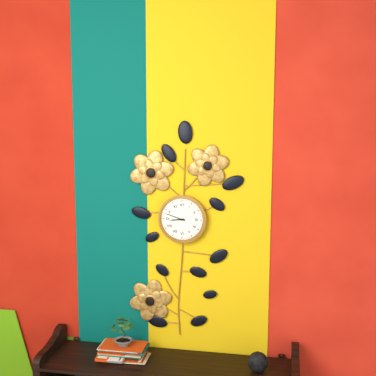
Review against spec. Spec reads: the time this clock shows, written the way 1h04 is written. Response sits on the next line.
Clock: 8h48
